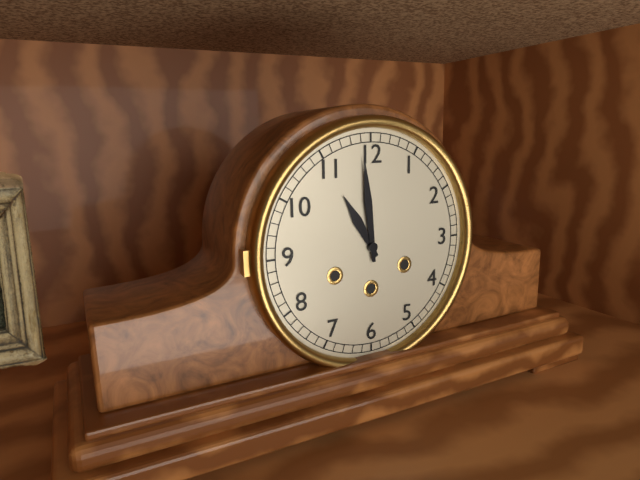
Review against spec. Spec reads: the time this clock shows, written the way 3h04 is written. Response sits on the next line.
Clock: 10h59
